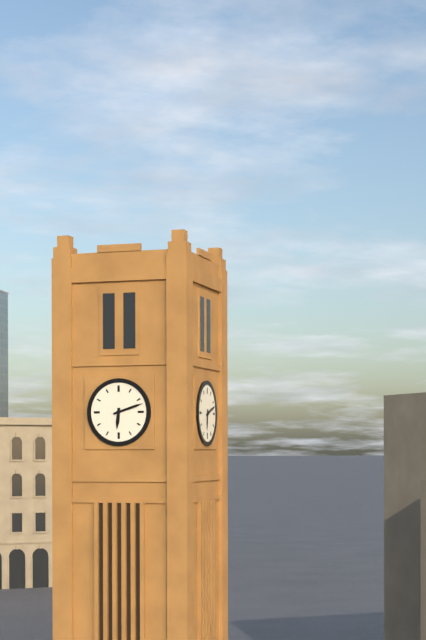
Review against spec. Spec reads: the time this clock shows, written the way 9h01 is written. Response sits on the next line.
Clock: 6h12
